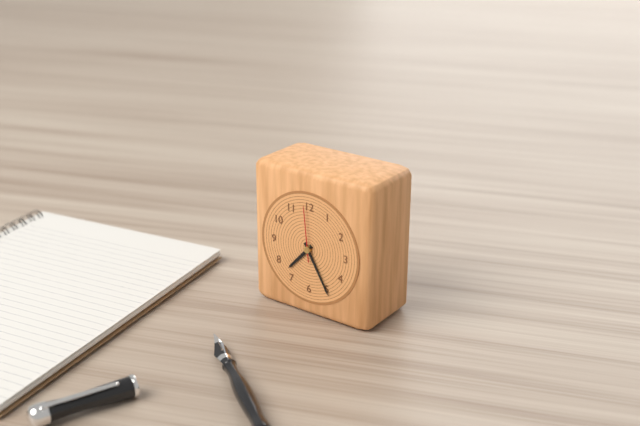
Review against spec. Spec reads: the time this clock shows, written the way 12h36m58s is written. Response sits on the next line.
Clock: 7h25m59s
